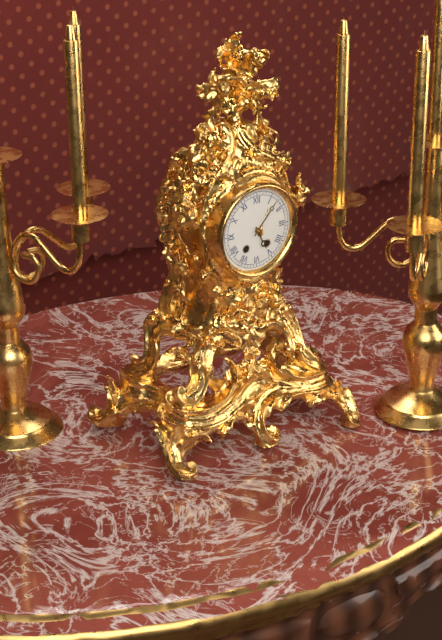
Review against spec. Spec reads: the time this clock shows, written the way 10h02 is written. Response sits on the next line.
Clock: 5h07
